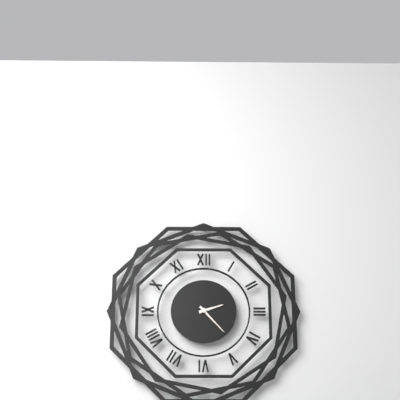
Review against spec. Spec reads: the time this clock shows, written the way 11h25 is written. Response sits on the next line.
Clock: 2h23
